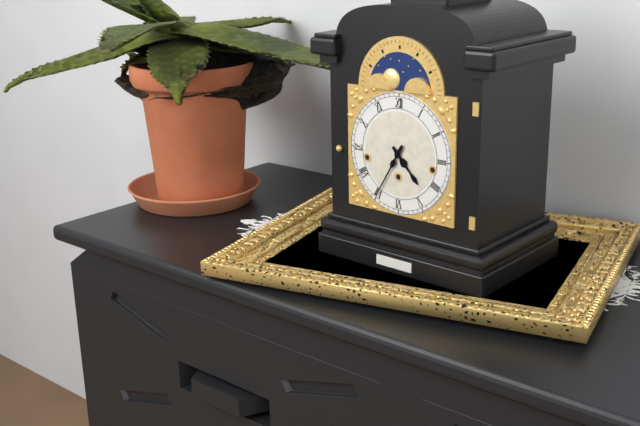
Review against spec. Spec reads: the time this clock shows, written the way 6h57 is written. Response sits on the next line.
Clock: 4h35
